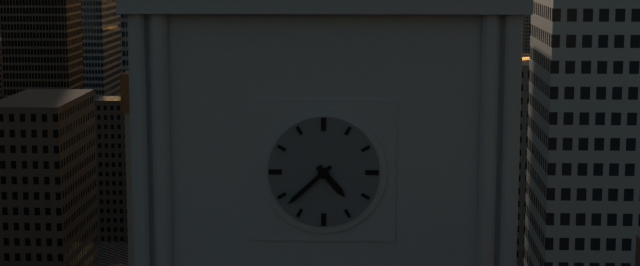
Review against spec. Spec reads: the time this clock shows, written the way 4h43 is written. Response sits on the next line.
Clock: 4h38
